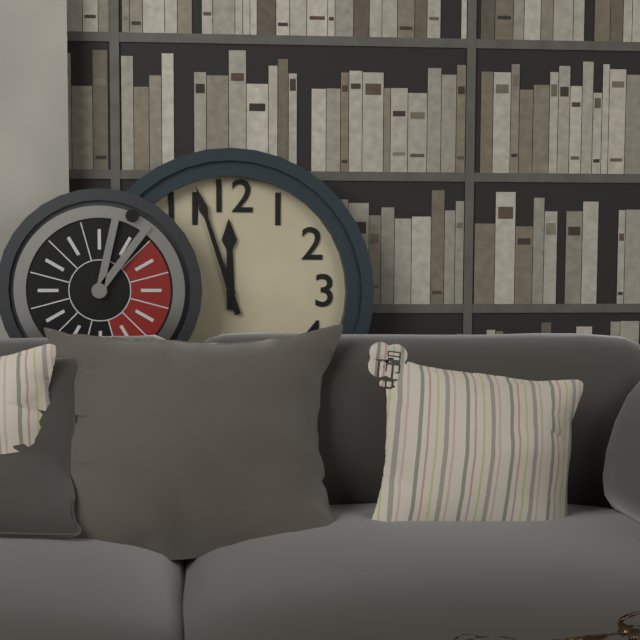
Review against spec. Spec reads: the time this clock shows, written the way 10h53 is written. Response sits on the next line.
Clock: 11h57
